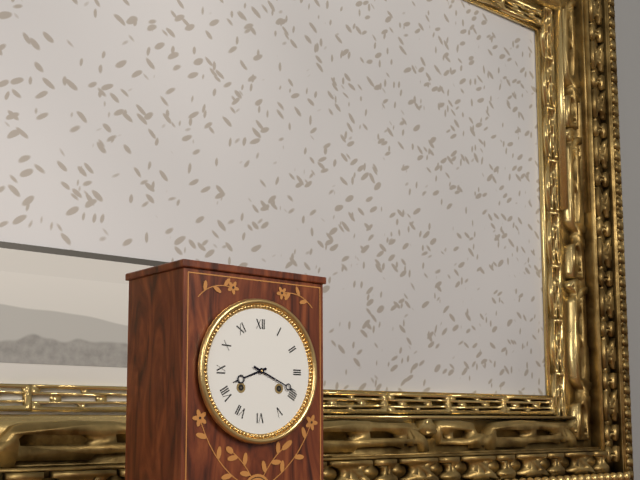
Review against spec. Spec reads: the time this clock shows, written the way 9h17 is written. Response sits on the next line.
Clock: 8h19
